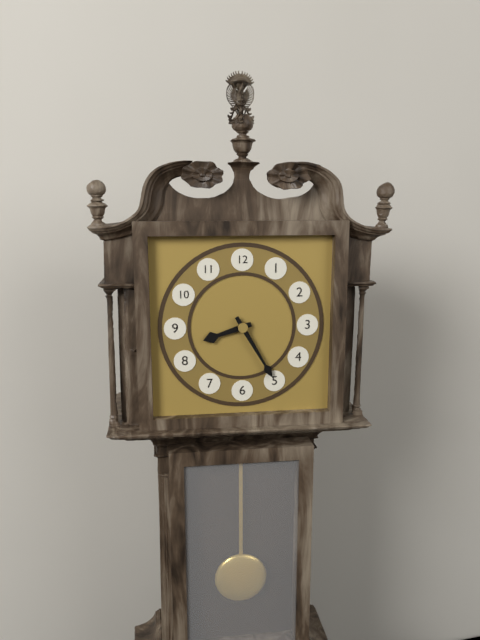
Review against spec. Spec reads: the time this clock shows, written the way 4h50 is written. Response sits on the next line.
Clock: 8h25
